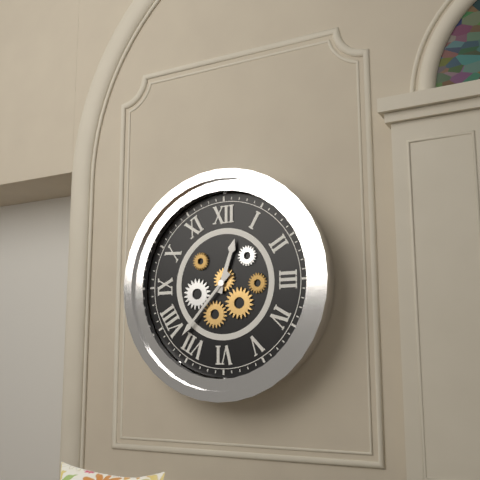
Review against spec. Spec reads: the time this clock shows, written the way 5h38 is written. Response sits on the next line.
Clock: 12h37
